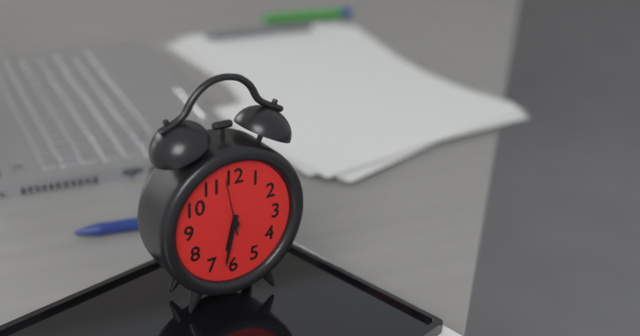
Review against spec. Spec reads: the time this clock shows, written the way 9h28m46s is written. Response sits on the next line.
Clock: 6h32m58s
